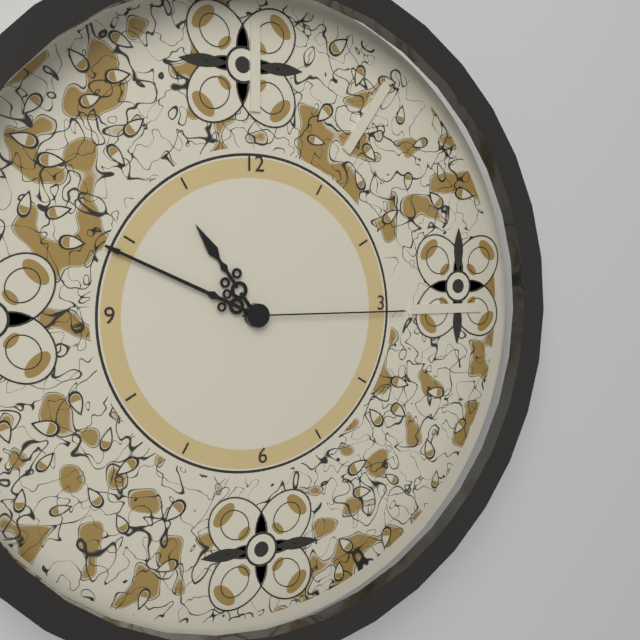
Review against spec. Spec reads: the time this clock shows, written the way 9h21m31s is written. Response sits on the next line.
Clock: 10h49m15s
